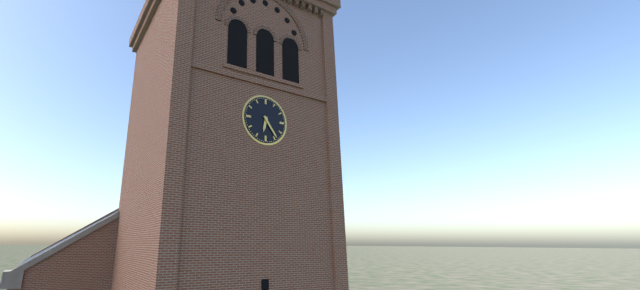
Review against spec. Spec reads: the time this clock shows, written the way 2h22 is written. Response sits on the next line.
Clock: 6h24
